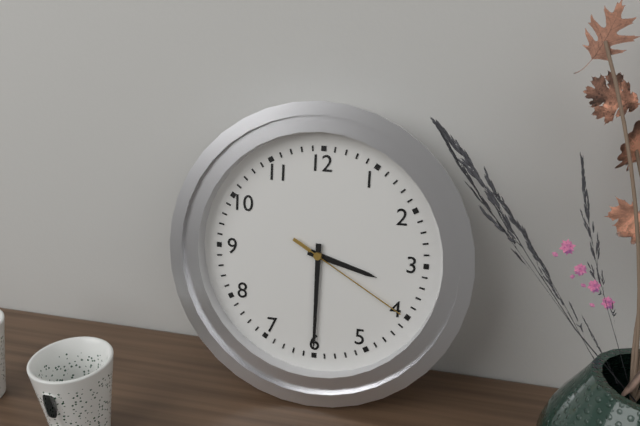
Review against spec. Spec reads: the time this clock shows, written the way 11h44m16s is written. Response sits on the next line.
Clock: 3h30m20s
